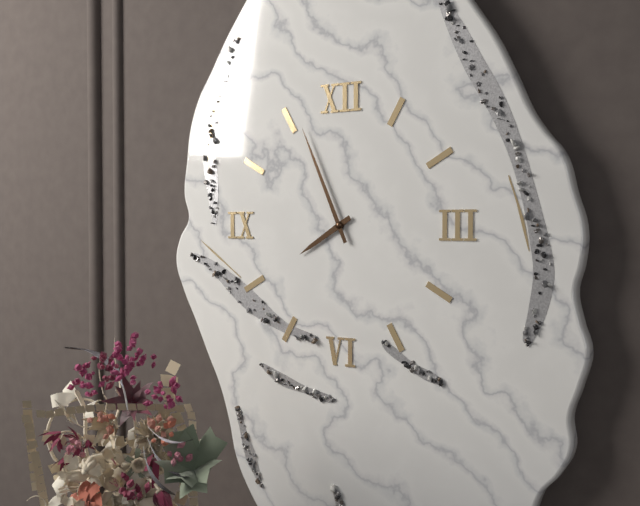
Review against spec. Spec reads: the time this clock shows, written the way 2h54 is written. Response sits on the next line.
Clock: 7h56
